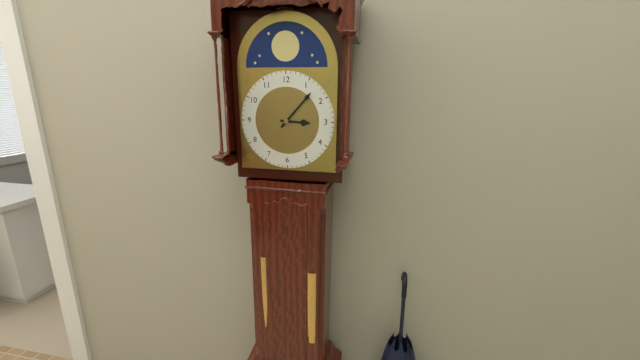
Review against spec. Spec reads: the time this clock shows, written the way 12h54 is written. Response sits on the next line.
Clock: 3h07
